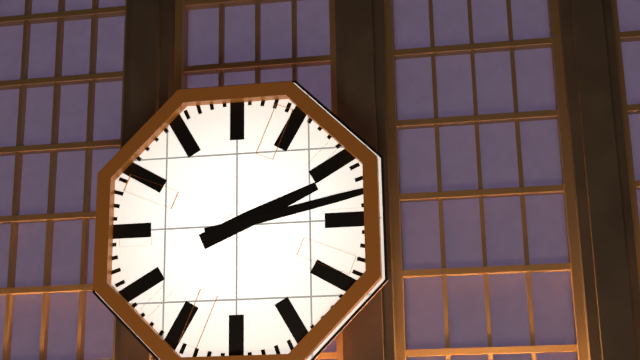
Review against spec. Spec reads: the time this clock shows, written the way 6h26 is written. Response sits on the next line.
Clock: 2h13
